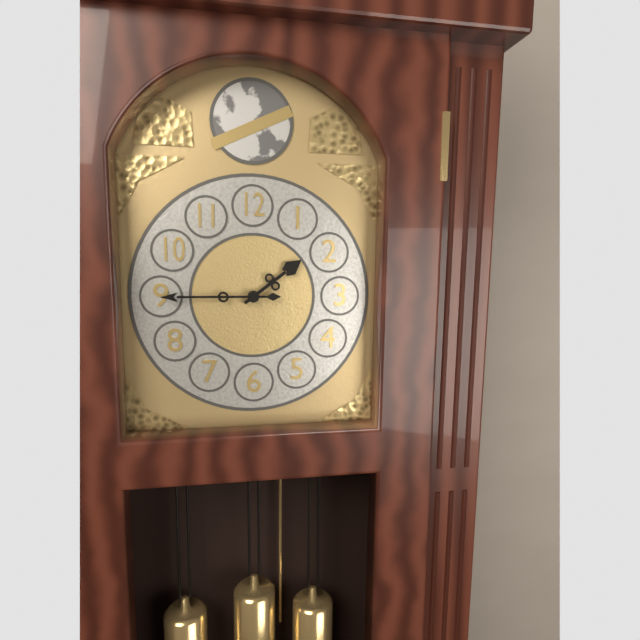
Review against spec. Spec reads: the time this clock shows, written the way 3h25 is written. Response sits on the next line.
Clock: 1h45
